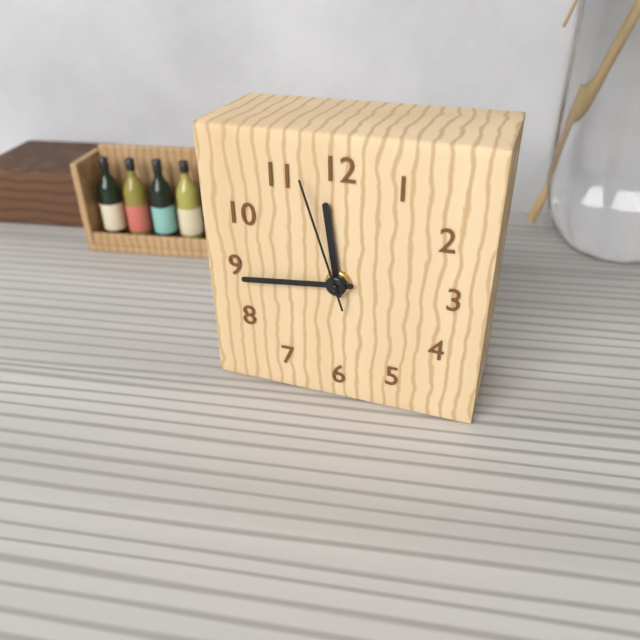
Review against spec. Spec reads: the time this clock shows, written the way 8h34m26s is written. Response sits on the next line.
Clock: 11h44m57s
